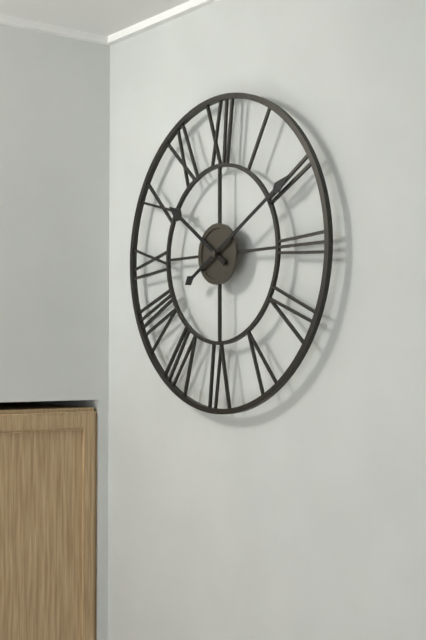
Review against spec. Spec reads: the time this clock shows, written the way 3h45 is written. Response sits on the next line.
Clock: 10h10
